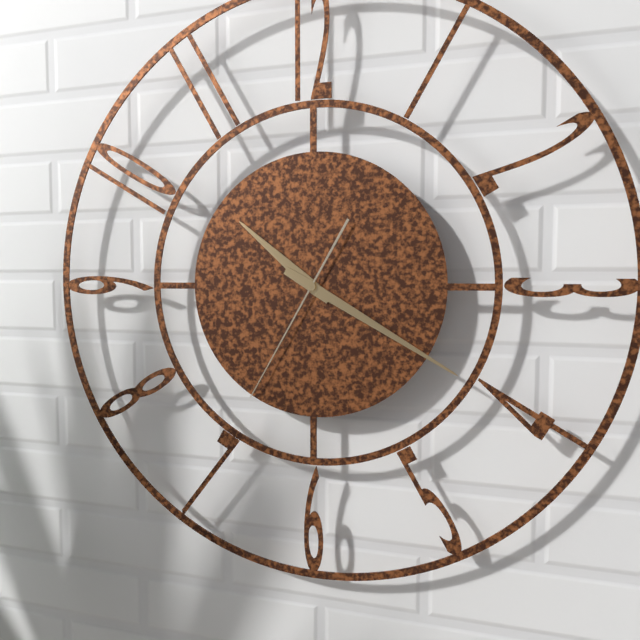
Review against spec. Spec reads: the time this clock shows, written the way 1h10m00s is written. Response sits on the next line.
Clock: 10h20m35s
